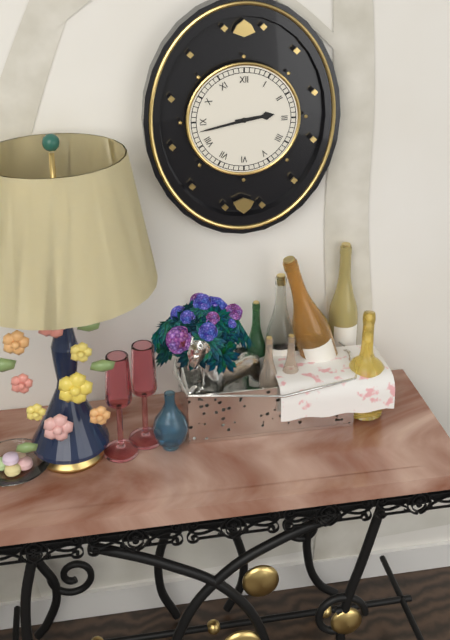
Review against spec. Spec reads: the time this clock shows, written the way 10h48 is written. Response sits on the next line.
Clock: 2h43
